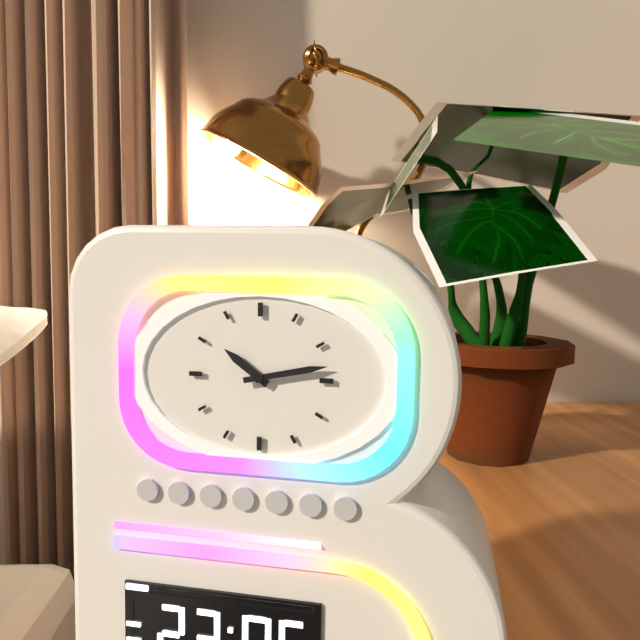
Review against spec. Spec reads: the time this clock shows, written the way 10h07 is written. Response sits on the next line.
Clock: 10h13
